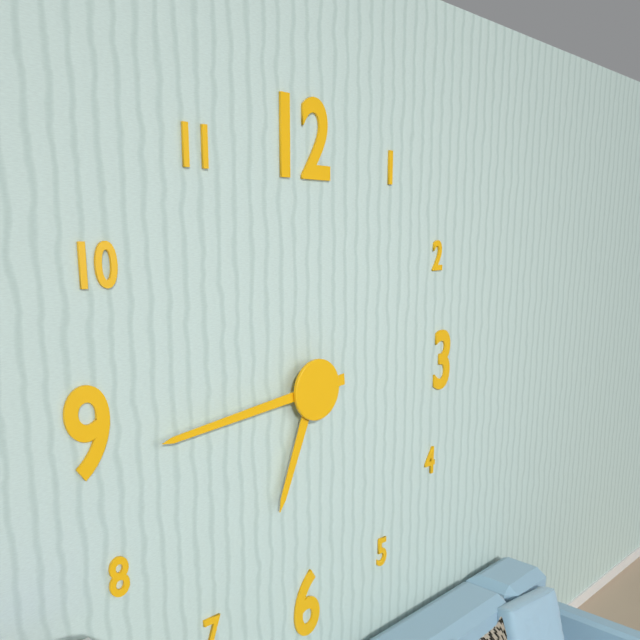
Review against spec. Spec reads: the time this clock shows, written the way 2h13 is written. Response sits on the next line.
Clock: 6h44
